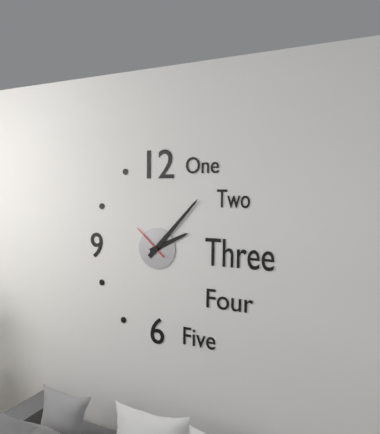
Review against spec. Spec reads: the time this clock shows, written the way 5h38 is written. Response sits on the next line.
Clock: 2h07
